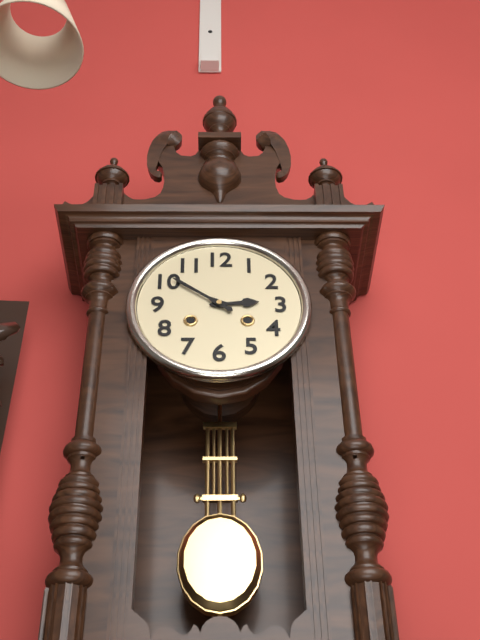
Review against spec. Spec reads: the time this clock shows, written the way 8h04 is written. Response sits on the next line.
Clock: 2h51
